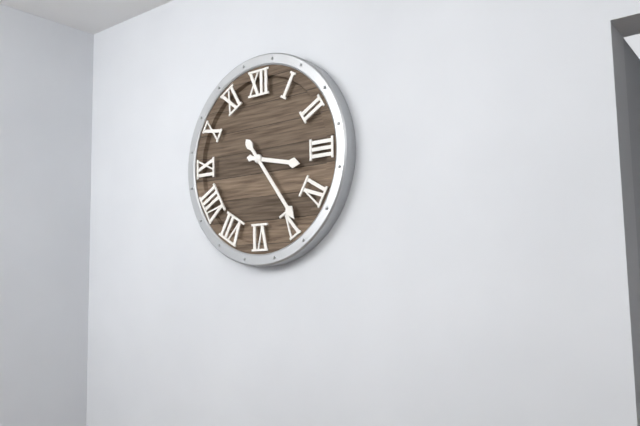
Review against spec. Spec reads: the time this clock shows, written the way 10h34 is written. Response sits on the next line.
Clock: 3h24
